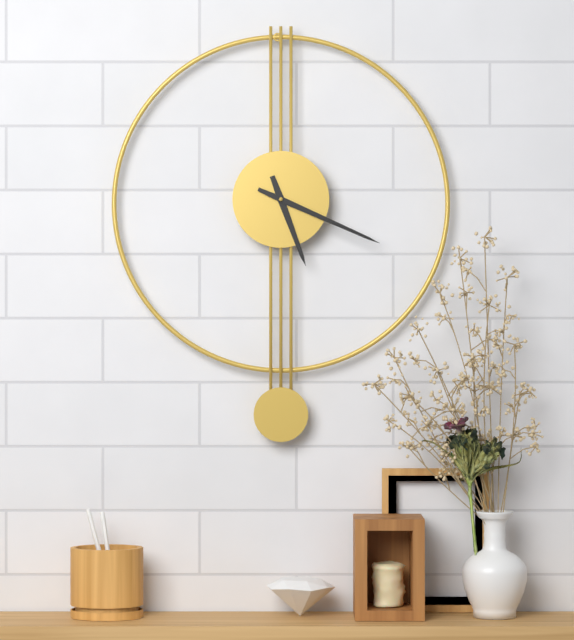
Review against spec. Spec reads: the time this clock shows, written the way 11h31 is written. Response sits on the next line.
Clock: 5h19
